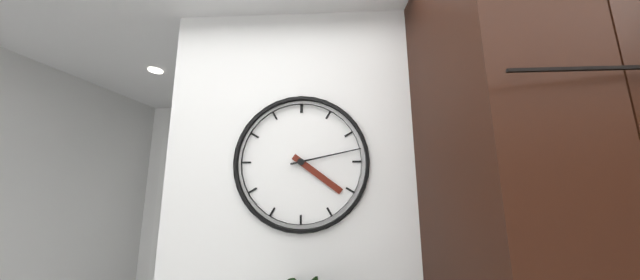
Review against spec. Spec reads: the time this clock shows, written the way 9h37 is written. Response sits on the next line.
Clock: 4h13
